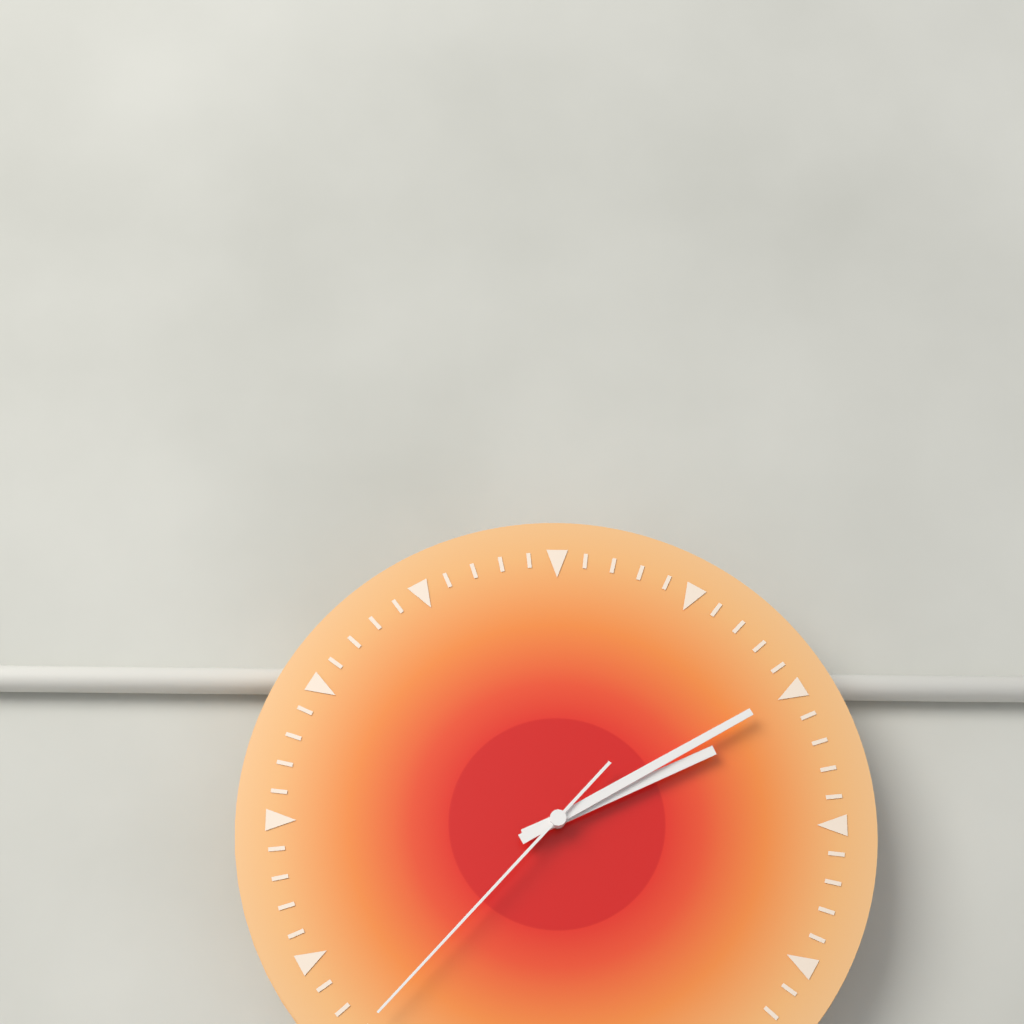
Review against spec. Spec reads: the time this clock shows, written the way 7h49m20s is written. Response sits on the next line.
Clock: 2h10m37s
